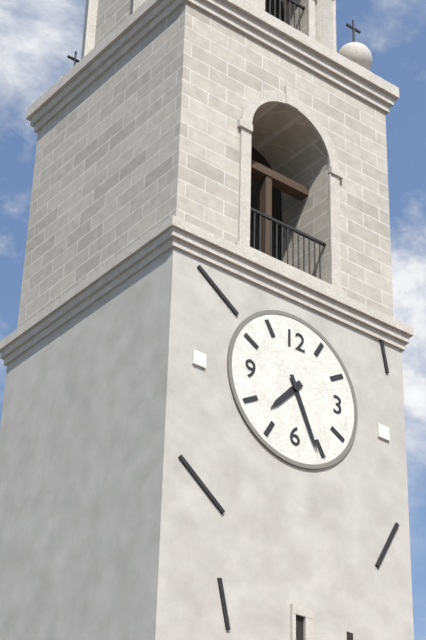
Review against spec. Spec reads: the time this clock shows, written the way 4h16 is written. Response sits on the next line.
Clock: 7h26
